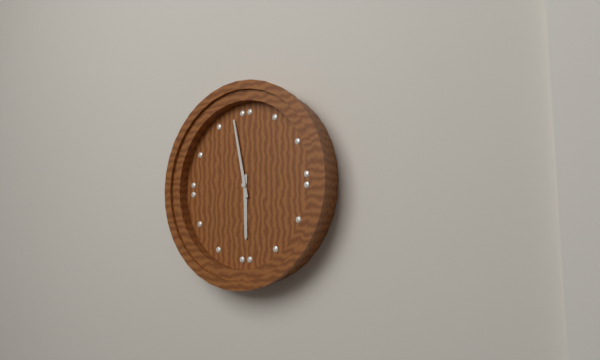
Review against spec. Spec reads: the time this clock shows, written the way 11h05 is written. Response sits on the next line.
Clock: 5h58
